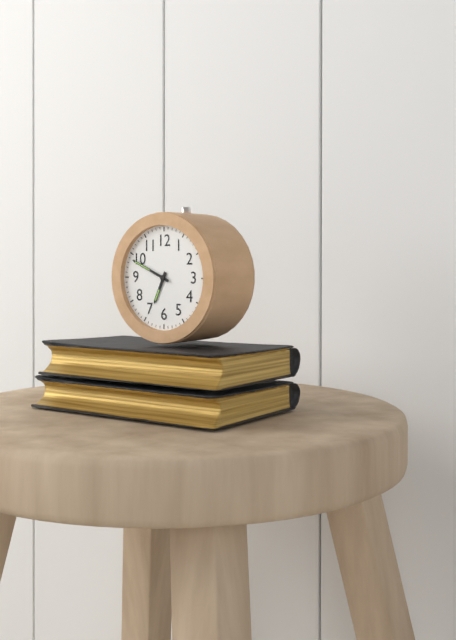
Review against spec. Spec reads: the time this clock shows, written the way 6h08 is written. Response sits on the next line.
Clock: 6h49
